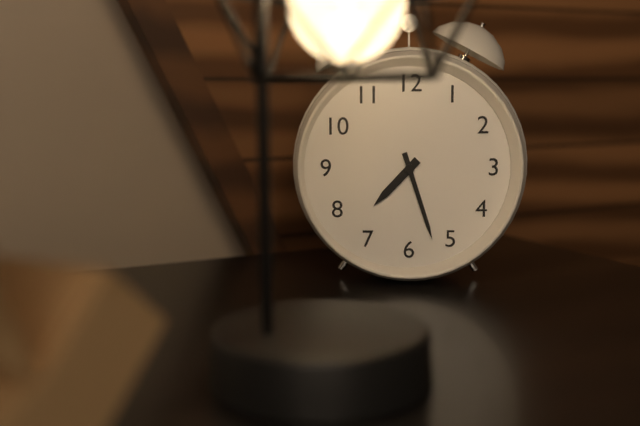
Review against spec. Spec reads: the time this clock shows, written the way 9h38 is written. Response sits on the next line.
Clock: 7h27
